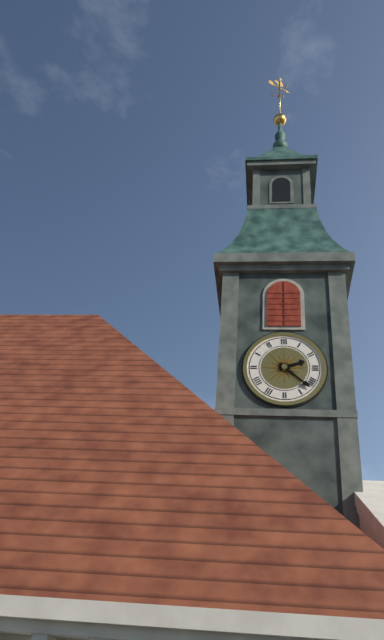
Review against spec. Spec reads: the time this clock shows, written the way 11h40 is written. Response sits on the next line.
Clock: 2h22
